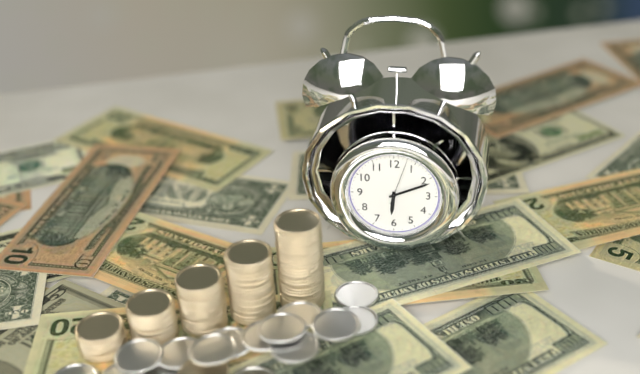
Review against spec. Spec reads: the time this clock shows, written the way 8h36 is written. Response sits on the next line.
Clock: 6h11
